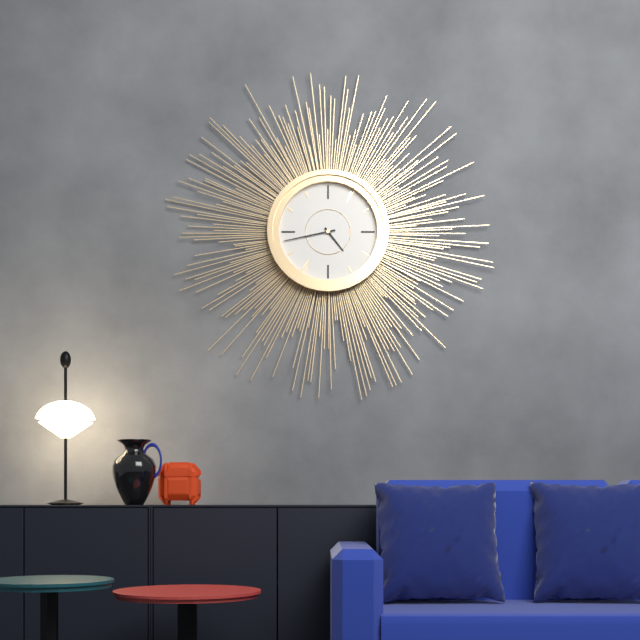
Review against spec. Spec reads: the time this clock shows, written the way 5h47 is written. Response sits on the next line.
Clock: 4h43
